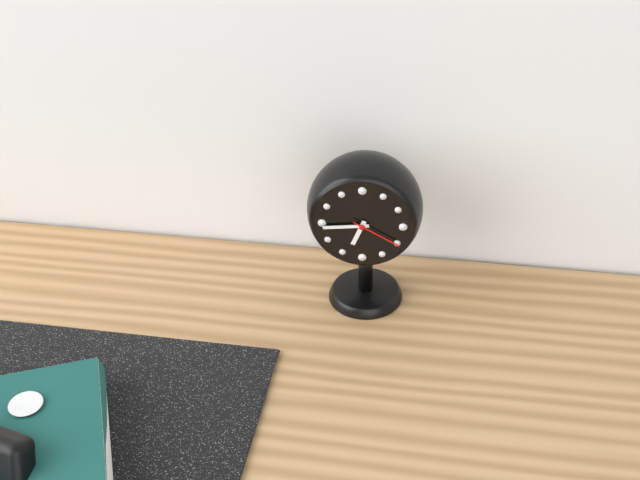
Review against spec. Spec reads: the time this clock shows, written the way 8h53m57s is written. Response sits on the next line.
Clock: 6h44m20s
